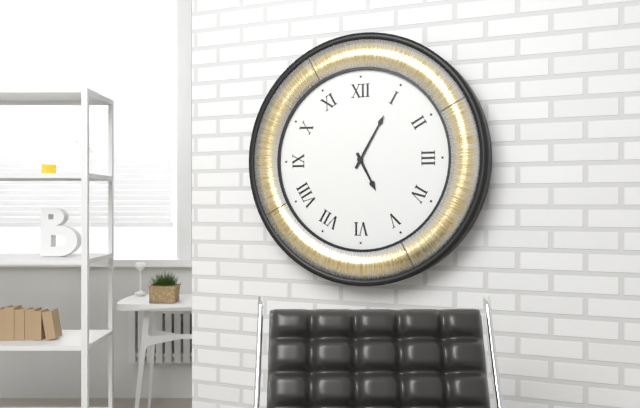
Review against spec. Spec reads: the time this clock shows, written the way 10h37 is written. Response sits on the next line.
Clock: 5h05
